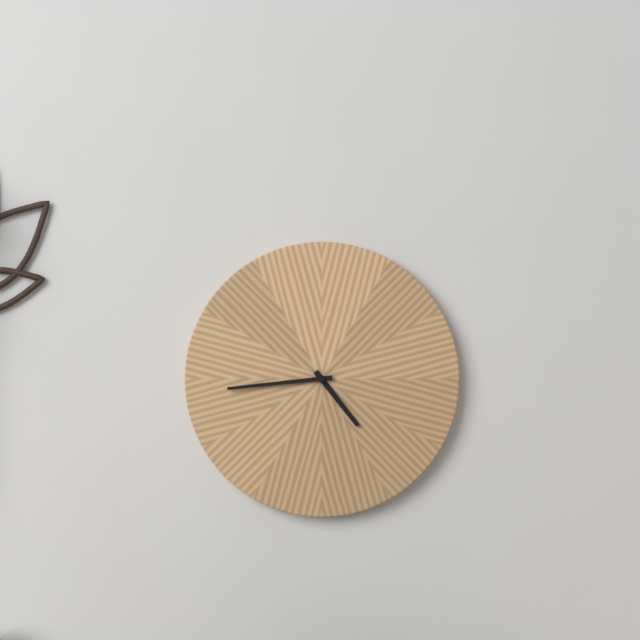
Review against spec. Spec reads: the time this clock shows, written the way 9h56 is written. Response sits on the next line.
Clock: 4h44
